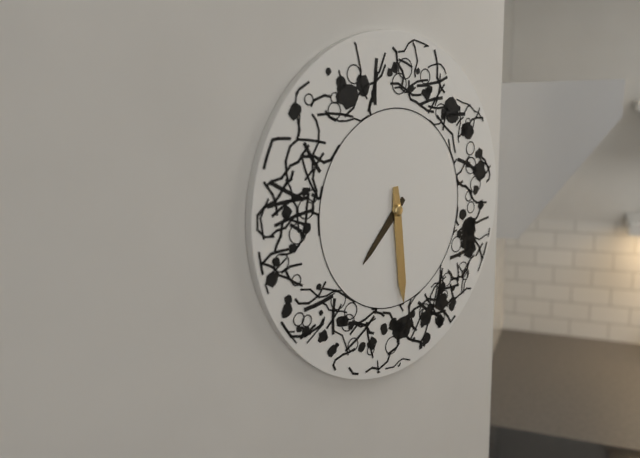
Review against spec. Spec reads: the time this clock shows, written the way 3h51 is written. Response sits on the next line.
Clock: 7h29
